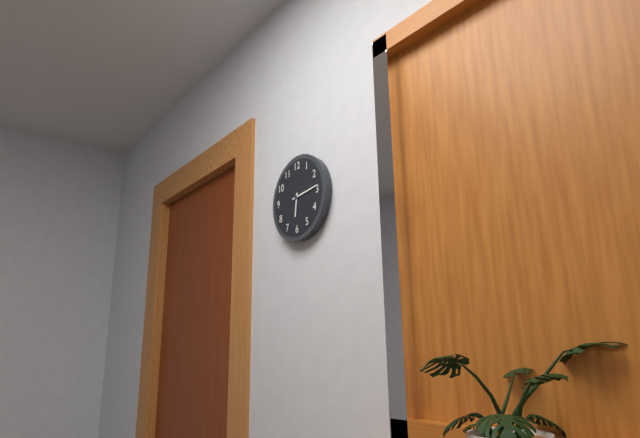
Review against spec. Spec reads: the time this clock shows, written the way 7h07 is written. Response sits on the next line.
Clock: 6h14
